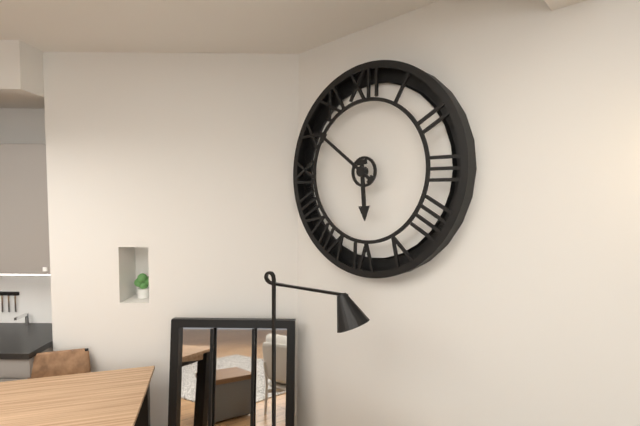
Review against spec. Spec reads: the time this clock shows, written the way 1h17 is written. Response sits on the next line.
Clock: 5h51
